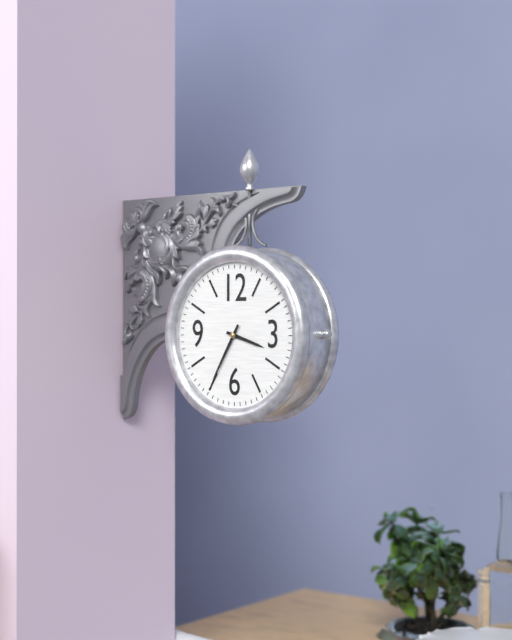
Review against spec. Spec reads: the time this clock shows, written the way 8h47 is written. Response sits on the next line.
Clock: 3h35
